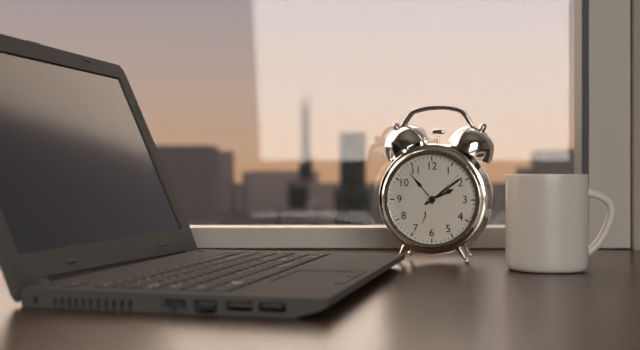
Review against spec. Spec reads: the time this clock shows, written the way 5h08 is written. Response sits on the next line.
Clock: 2h09
